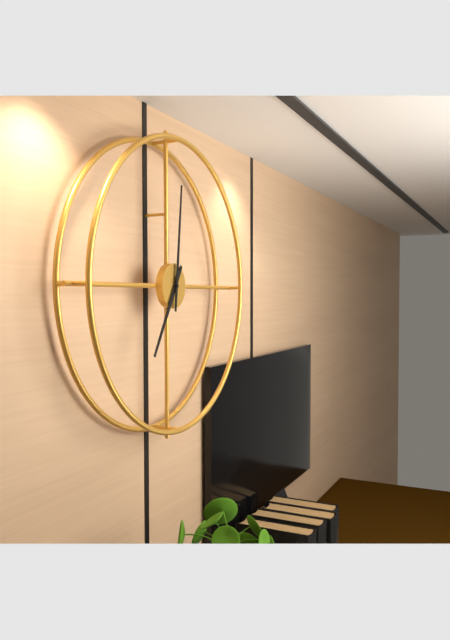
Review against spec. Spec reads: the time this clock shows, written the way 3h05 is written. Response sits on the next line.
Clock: 7h01
